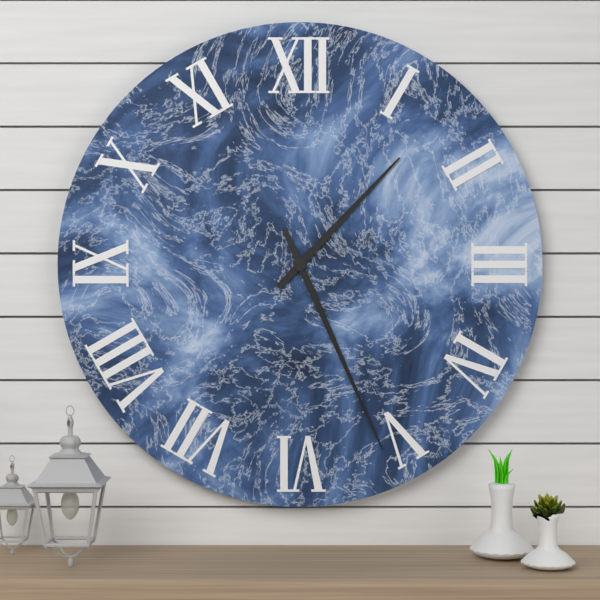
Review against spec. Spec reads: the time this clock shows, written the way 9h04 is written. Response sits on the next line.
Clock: 1h26
